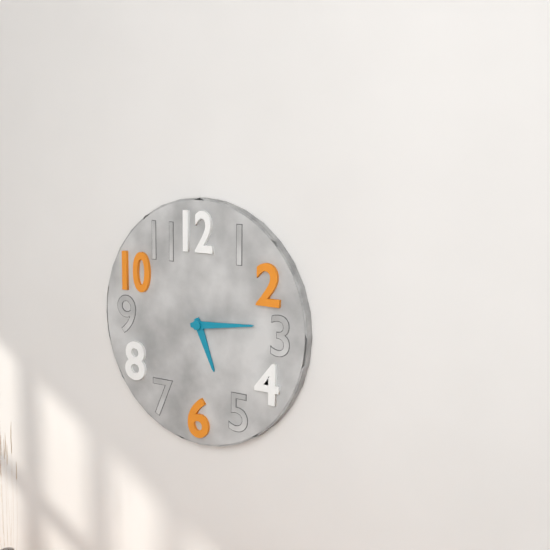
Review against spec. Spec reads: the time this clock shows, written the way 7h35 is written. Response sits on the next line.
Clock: 5h14
